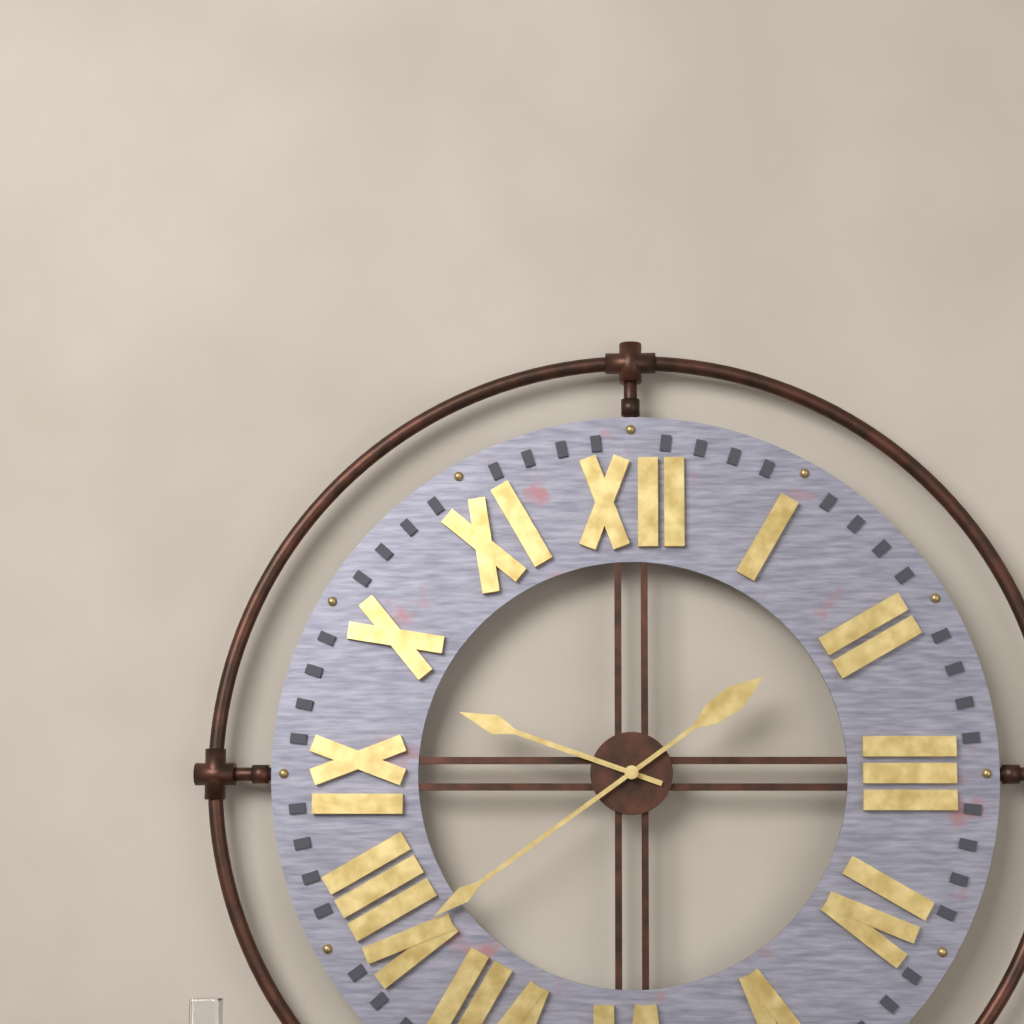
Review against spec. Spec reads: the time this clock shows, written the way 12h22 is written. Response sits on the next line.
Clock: 9h39
